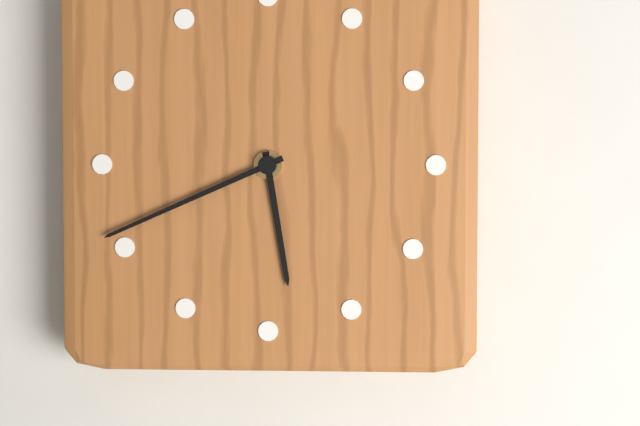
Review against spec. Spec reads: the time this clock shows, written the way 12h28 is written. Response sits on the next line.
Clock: 5h41
